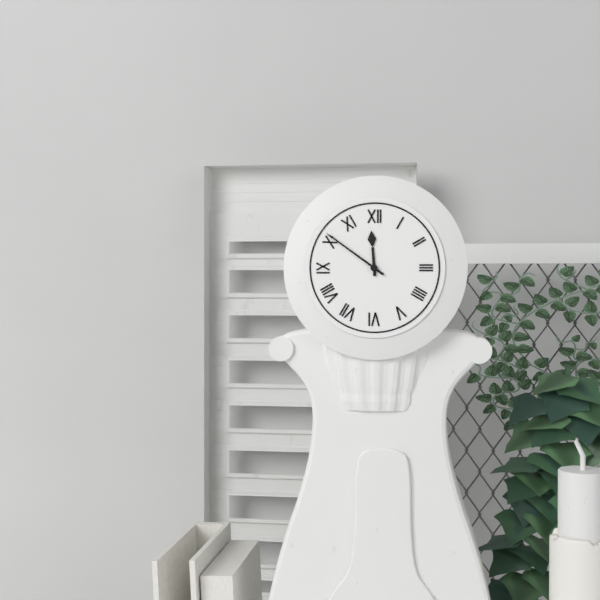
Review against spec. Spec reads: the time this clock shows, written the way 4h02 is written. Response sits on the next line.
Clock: 11h51
